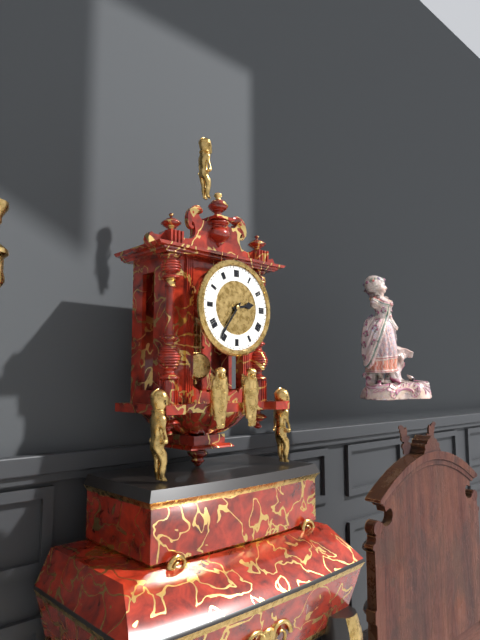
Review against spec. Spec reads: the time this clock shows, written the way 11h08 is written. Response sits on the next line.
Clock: 2h36
